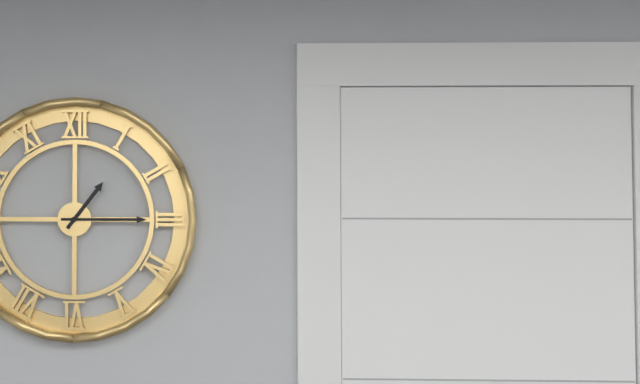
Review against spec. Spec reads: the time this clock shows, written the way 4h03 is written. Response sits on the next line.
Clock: 1h15
